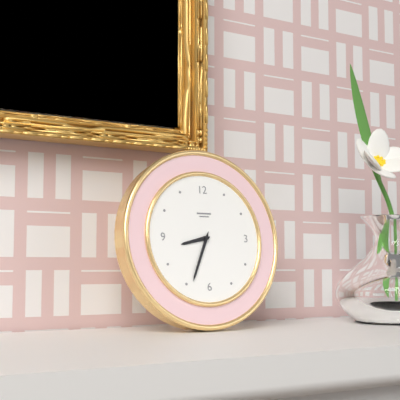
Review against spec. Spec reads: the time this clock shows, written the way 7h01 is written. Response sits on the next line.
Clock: 8h34
